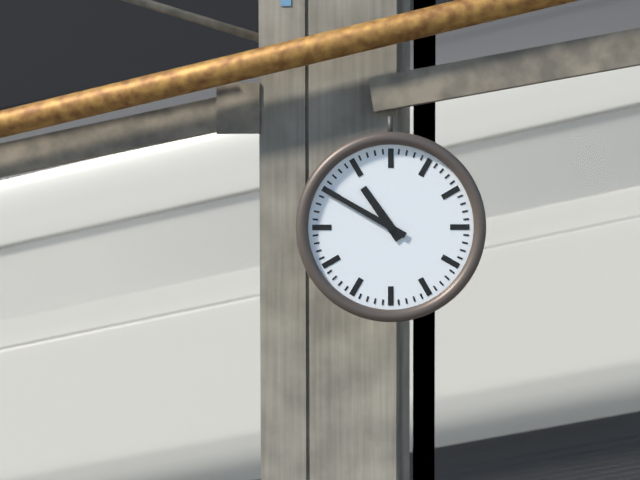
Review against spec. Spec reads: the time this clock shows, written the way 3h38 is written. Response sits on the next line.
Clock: 10h50
